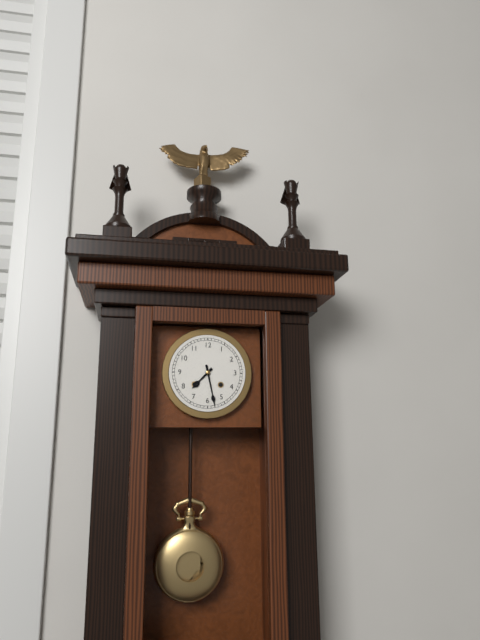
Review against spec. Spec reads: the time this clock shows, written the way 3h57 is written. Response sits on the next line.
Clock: 7h28
